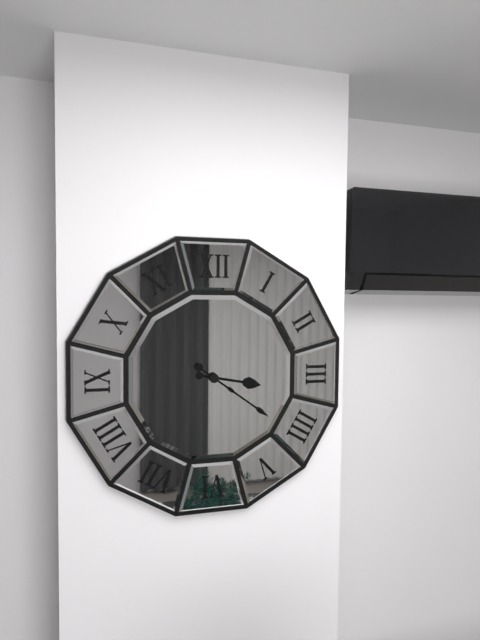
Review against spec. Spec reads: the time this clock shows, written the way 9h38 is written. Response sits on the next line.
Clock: 3h21
